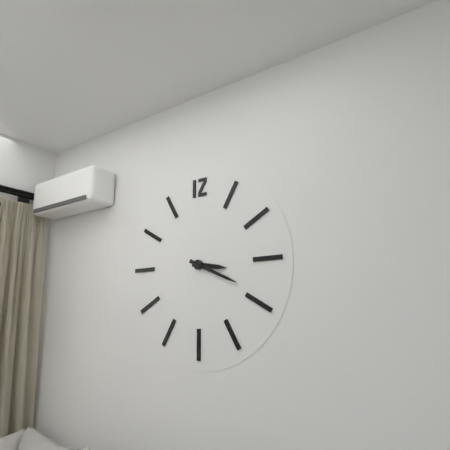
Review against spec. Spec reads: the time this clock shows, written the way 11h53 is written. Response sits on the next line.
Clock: 3h19
